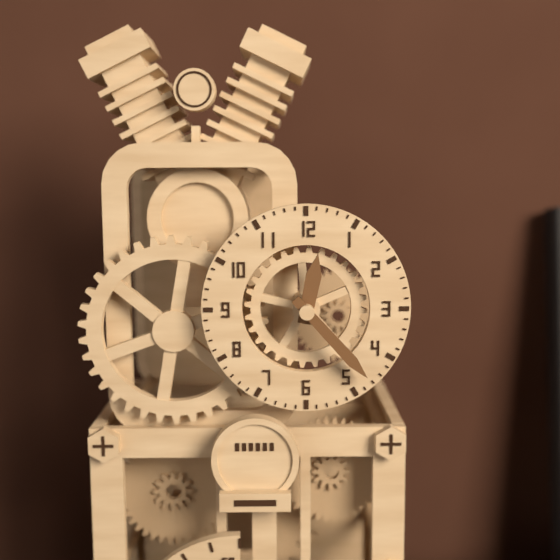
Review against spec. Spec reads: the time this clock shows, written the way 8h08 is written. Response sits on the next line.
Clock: 12h23
